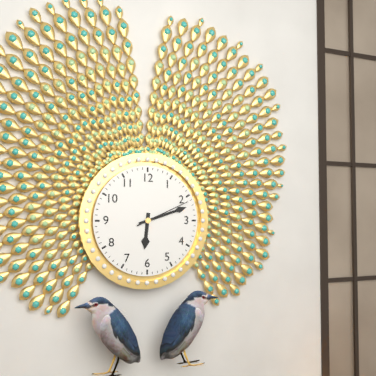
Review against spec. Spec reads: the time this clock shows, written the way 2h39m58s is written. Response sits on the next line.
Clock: 6h12m11s
